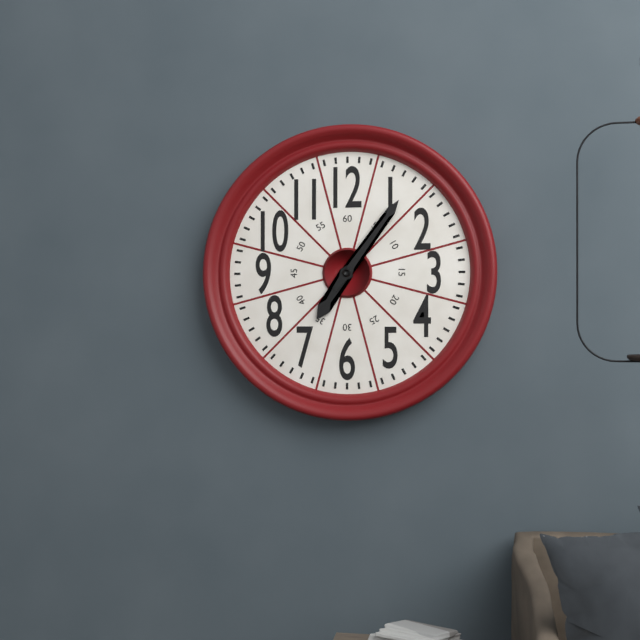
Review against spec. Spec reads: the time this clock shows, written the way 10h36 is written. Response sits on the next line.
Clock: 7h06
